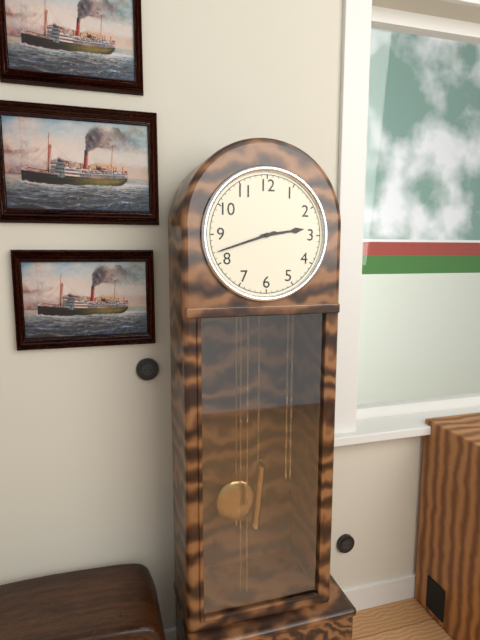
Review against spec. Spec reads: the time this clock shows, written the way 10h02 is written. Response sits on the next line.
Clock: 2h42
